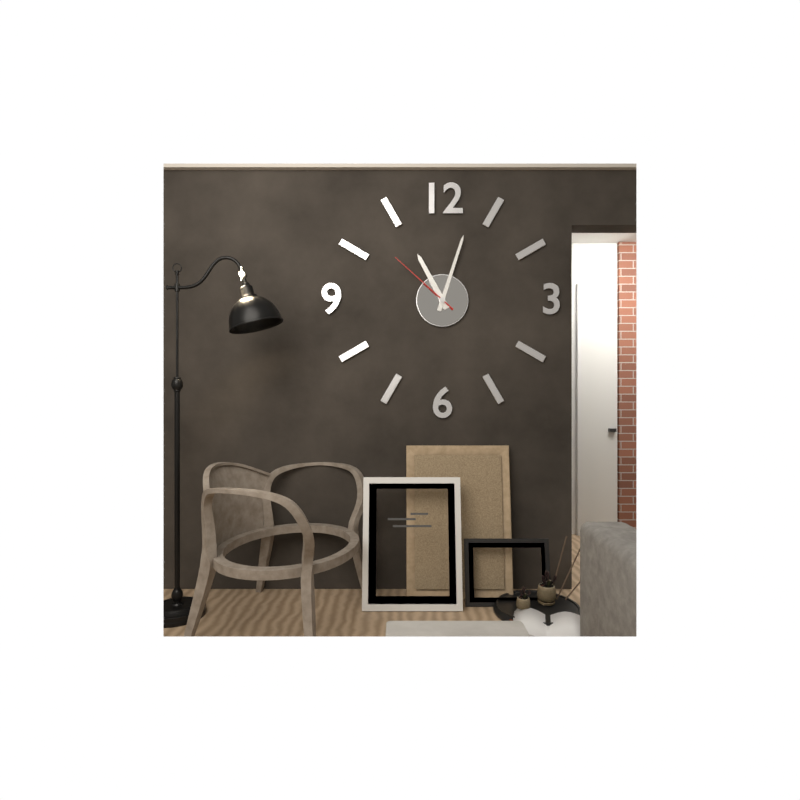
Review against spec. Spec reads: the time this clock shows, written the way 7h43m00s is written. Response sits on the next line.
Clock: 11h03m52s
